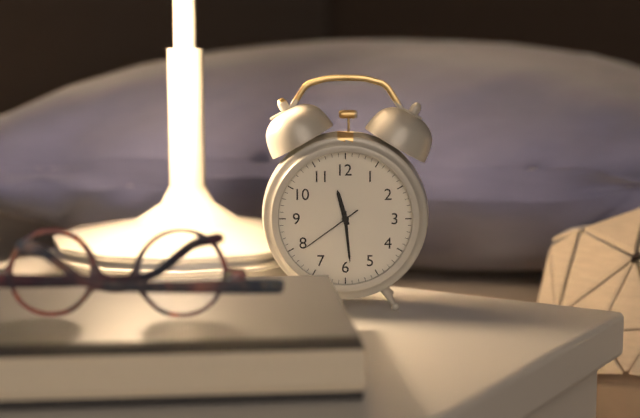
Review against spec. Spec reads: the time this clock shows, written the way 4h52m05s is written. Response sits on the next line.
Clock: 11h29m39s
